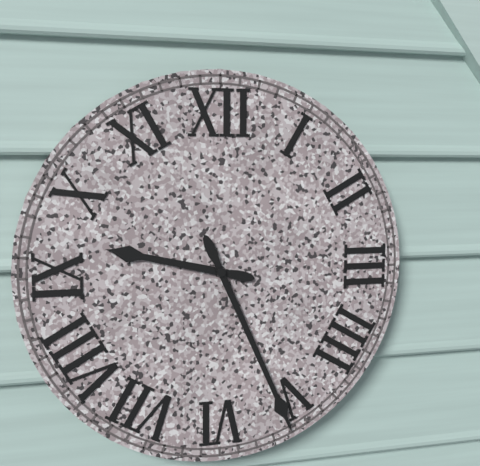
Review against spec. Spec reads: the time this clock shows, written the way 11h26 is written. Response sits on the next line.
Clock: 9h26
